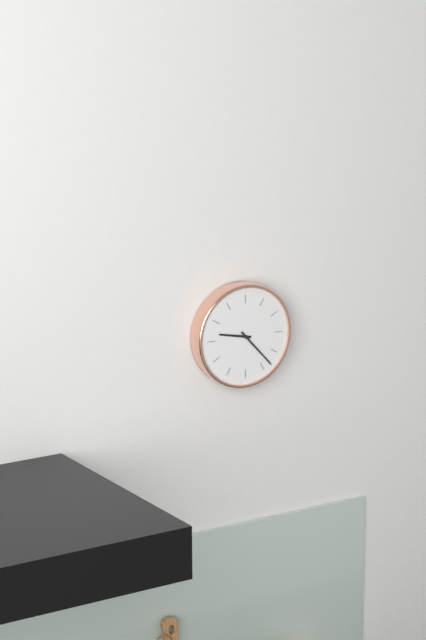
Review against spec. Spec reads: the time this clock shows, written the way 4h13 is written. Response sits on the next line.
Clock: 9h23
